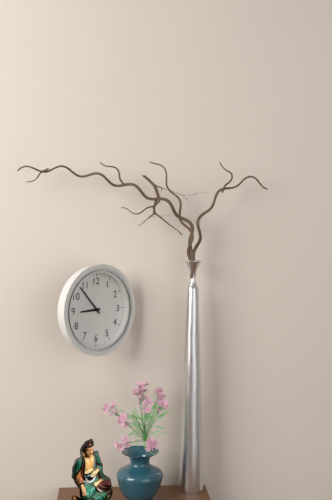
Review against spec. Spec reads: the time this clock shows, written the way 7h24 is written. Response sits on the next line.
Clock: 8h53
